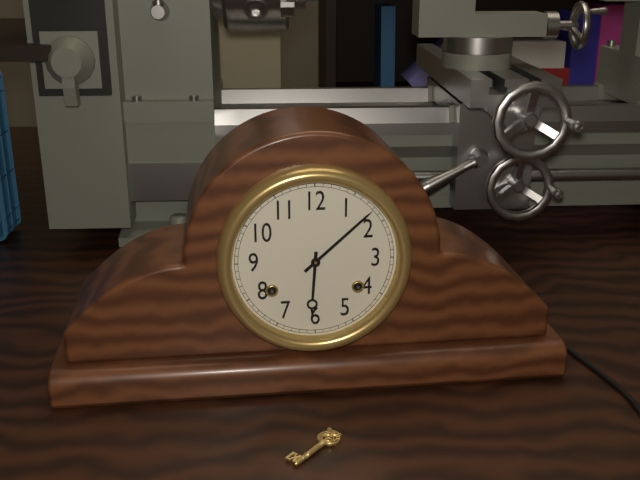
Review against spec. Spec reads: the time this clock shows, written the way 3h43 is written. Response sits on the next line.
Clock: 6h08
